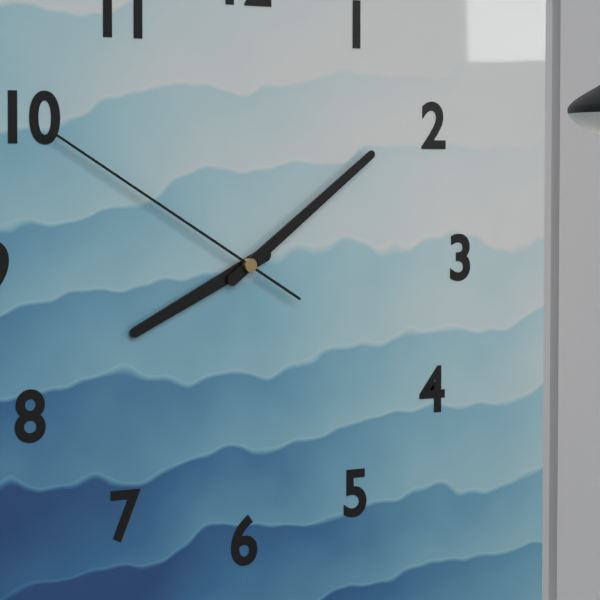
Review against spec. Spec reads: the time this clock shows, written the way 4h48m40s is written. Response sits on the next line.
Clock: 8h09m50s
